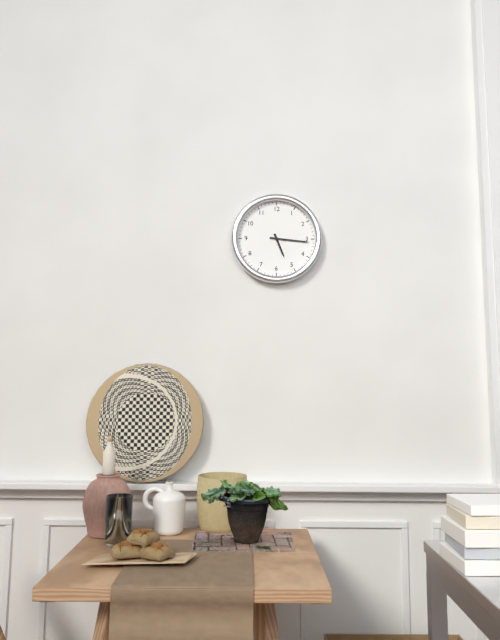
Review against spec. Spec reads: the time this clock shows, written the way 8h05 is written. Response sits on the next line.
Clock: 5h16
